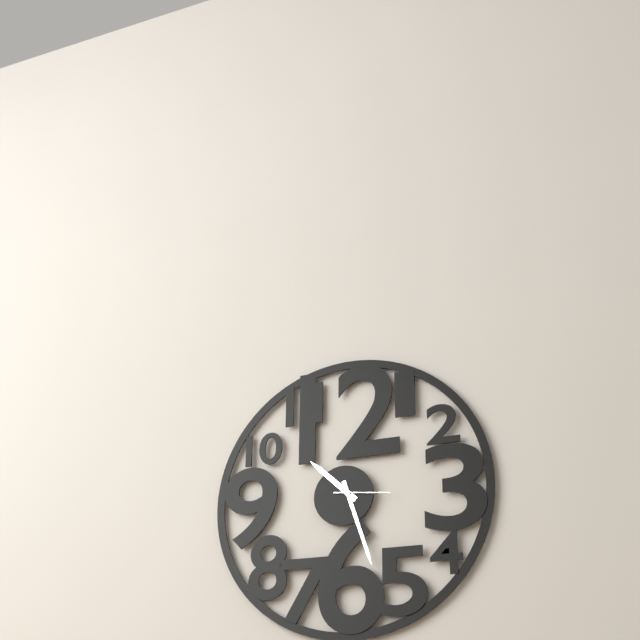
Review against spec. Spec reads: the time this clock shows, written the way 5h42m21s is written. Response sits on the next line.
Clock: 10h27m16s
